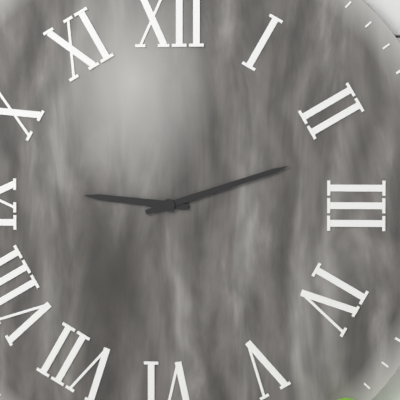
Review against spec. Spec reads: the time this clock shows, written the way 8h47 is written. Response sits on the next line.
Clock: 9h12
